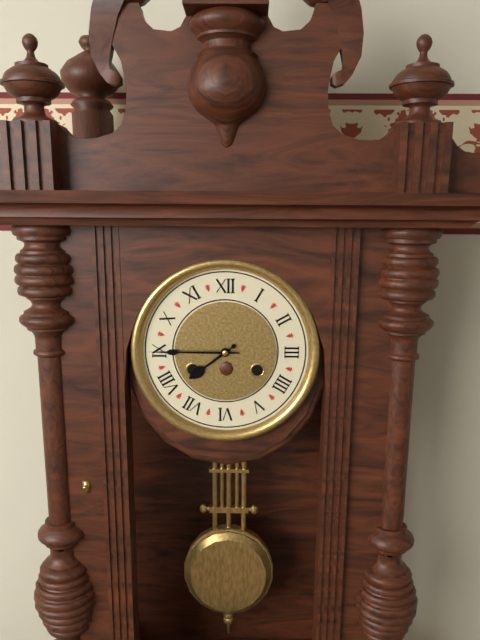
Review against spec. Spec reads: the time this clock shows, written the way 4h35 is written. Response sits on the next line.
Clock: 7h45
